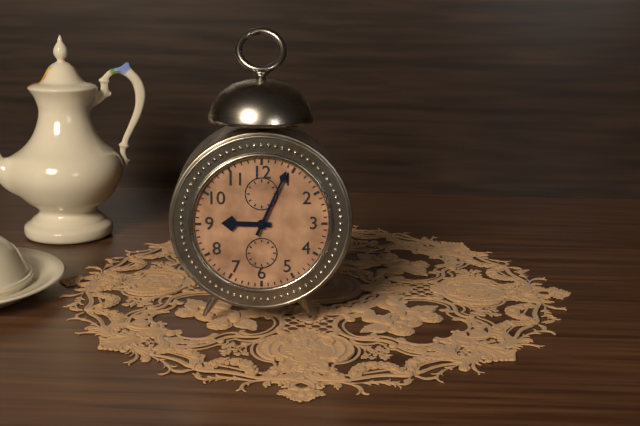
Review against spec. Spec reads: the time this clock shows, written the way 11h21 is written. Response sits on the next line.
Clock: 9h04
